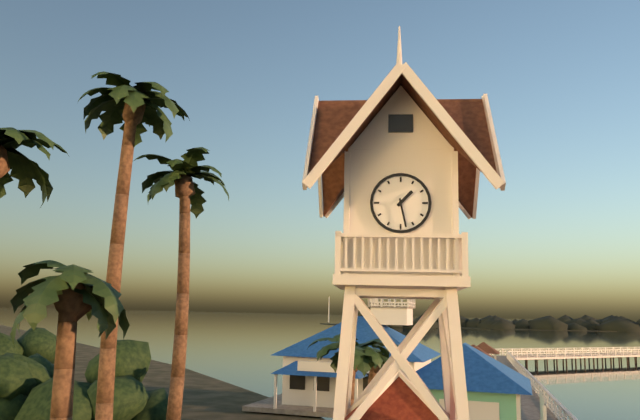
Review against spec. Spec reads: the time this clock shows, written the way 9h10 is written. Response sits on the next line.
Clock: 1h28
